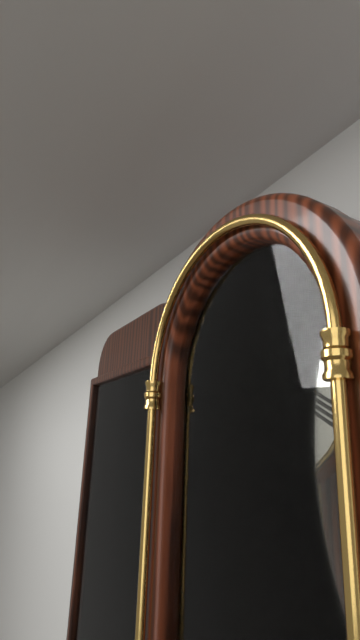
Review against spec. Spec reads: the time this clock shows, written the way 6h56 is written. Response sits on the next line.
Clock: 6h46
